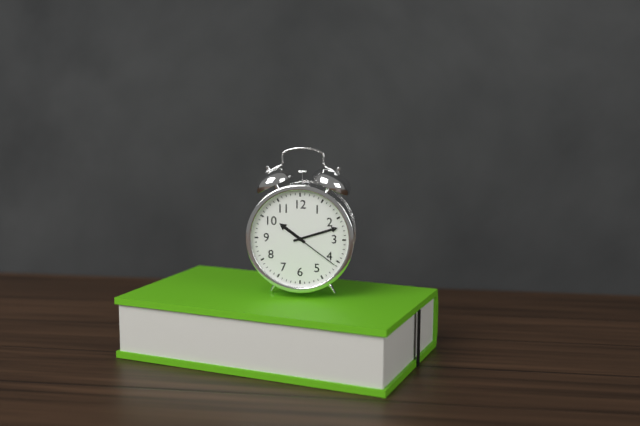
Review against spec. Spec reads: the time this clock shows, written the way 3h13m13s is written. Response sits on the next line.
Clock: 10h12m21s
